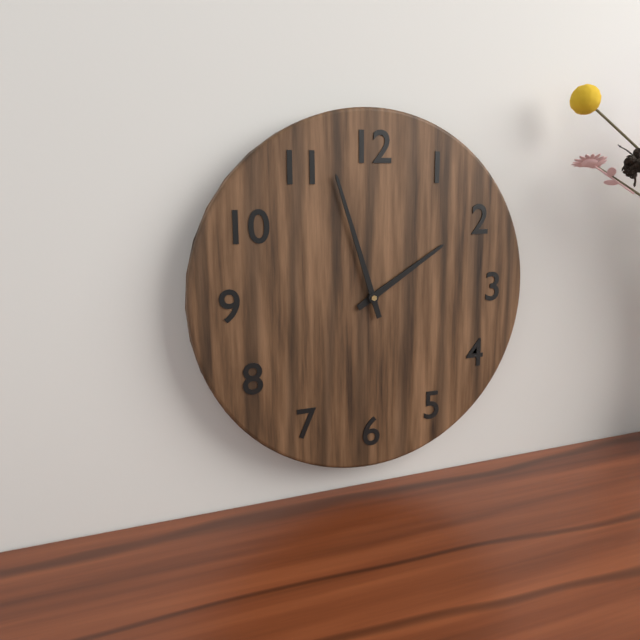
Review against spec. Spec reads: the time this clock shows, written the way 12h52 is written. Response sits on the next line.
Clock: 1h57
